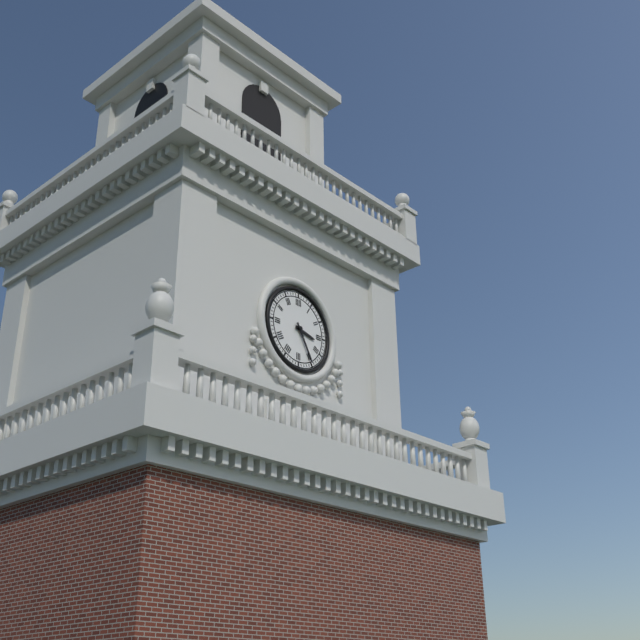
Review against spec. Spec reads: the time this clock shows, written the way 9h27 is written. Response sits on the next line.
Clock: 3h25
